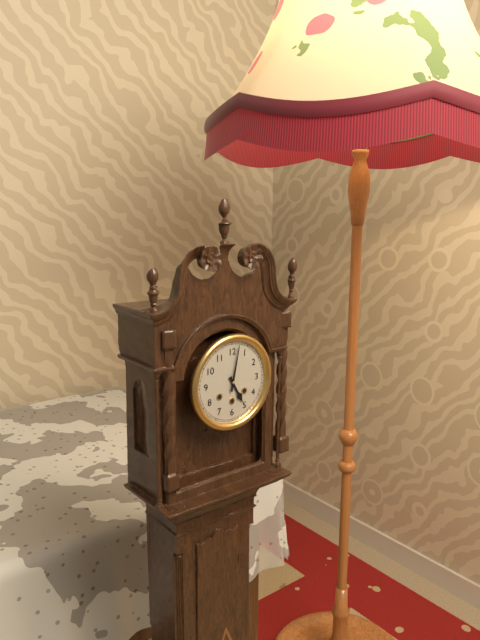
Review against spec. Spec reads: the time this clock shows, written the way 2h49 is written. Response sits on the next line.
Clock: 5h02
